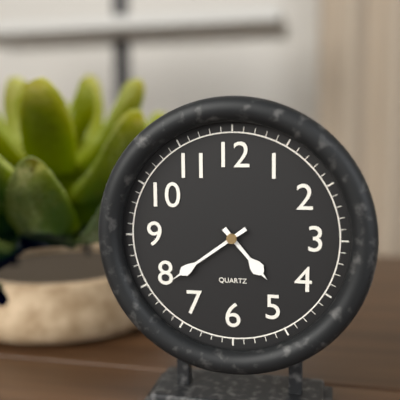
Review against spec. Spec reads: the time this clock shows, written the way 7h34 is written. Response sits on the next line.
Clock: 4h39
